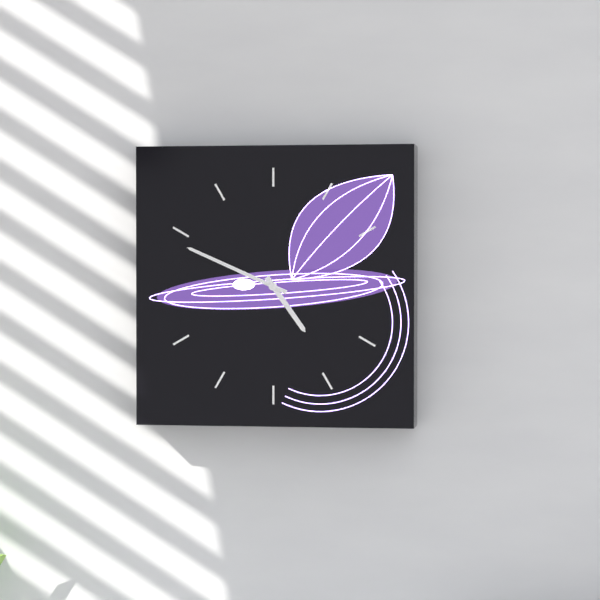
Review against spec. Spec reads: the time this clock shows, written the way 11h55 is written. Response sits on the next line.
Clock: 4h49
